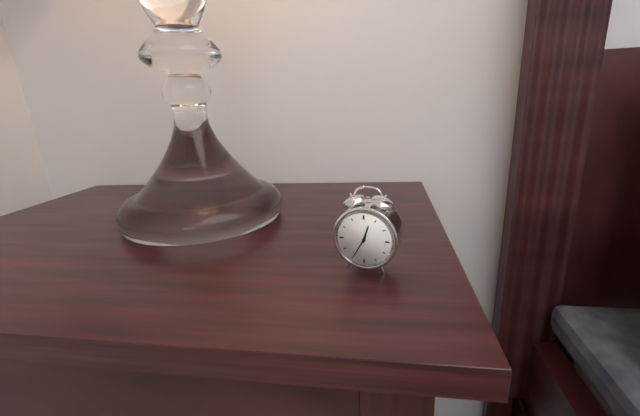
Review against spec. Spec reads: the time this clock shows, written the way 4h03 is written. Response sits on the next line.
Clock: 12h35
